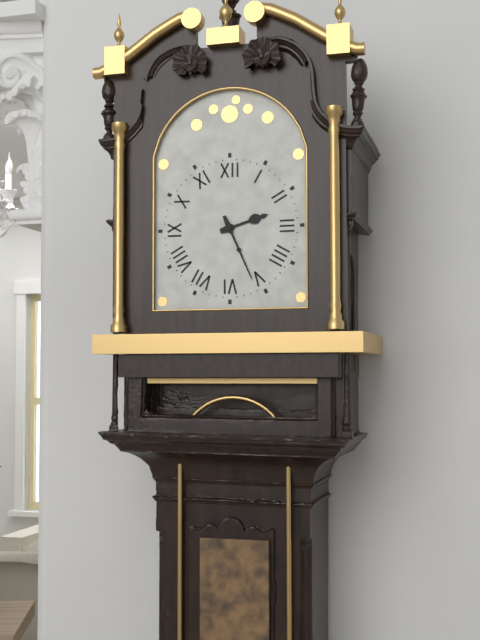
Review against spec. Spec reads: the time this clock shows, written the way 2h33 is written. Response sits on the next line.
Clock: 2h26
